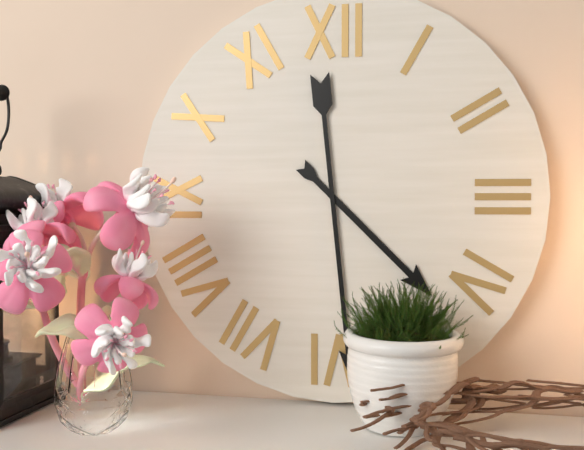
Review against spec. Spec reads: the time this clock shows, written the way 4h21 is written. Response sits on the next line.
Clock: 4h29
